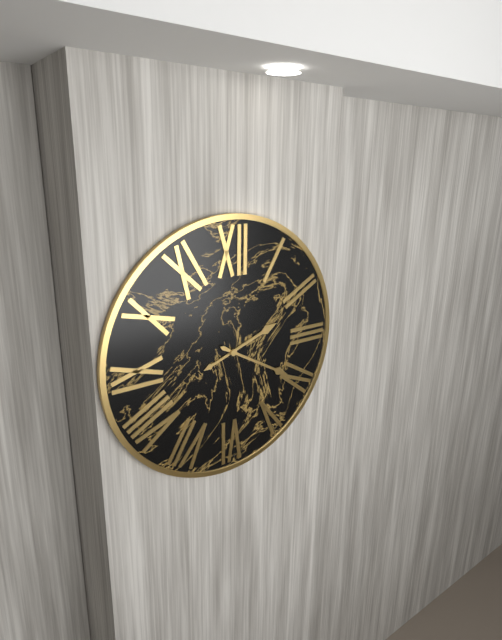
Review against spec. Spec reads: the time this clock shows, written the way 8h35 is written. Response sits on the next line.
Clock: 2h20
